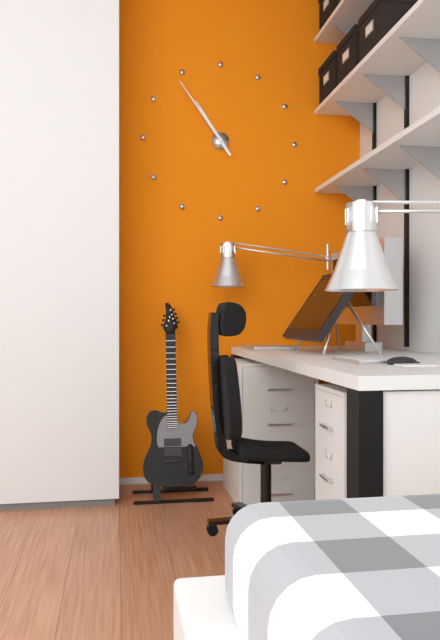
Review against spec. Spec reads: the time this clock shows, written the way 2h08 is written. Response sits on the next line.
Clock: 10h54
